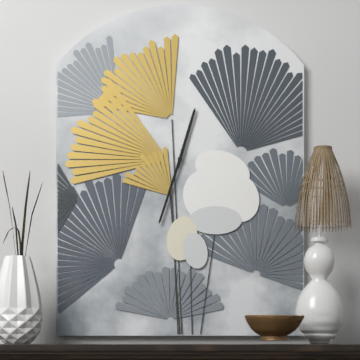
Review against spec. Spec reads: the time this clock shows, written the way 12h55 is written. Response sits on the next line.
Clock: 12h33
